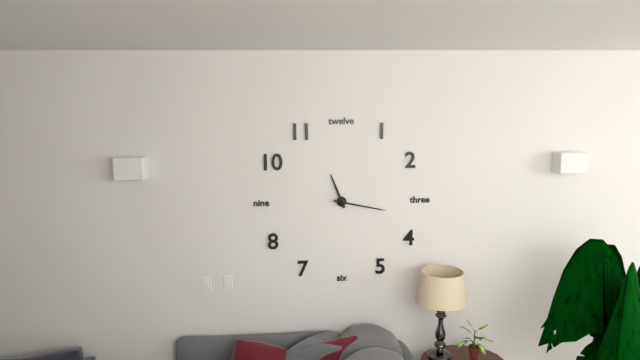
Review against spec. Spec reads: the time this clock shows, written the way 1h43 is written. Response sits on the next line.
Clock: 11h17
